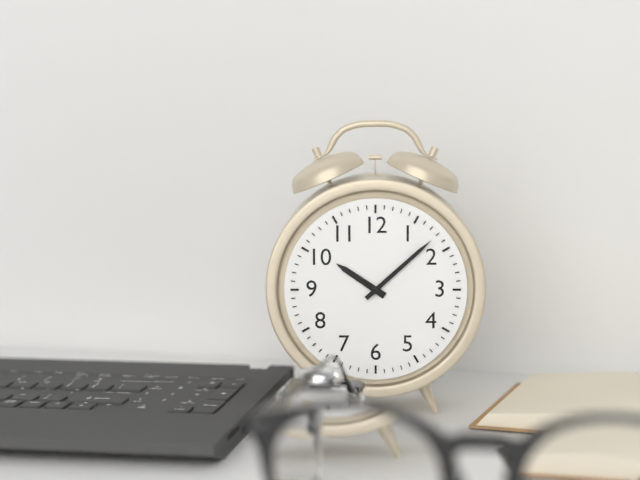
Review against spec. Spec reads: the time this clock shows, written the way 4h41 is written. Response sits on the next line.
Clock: 10h08
